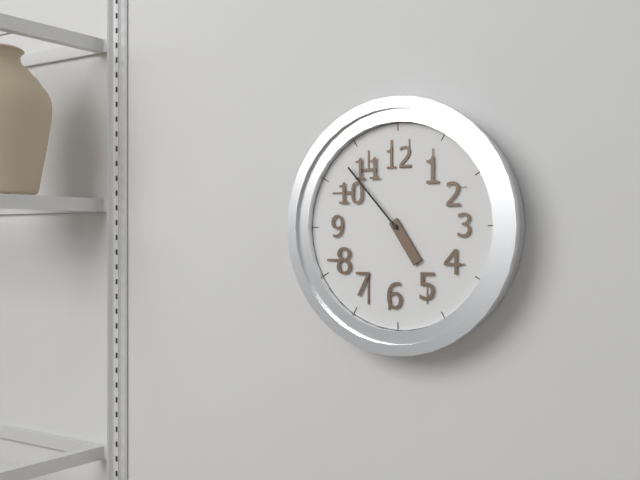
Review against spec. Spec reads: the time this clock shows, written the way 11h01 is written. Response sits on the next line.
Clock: 4h53
